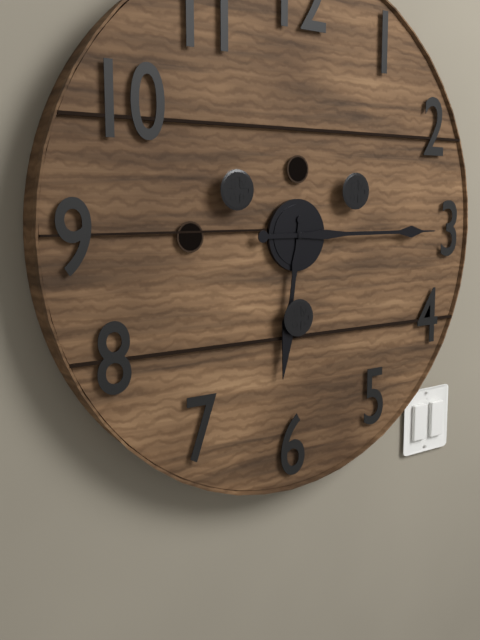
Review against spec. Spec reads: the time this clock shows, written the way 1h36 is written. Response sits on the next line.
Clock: 6h15
